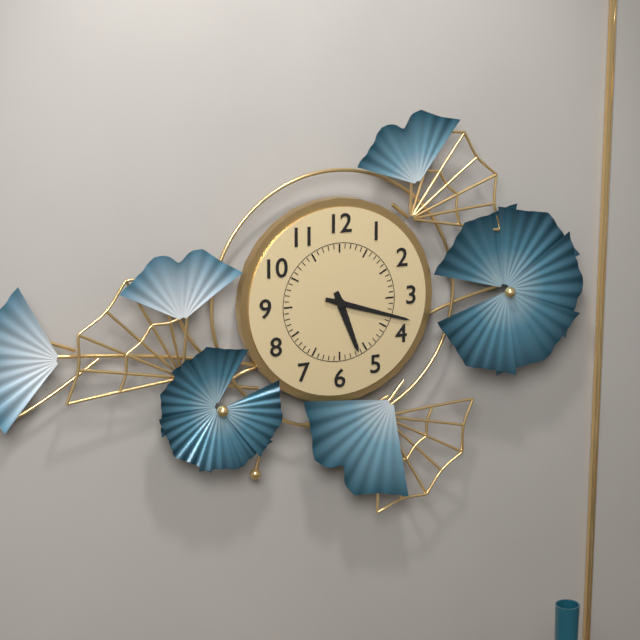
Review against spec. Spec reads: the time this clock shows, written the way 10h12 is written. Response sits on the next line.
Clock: 5h18
